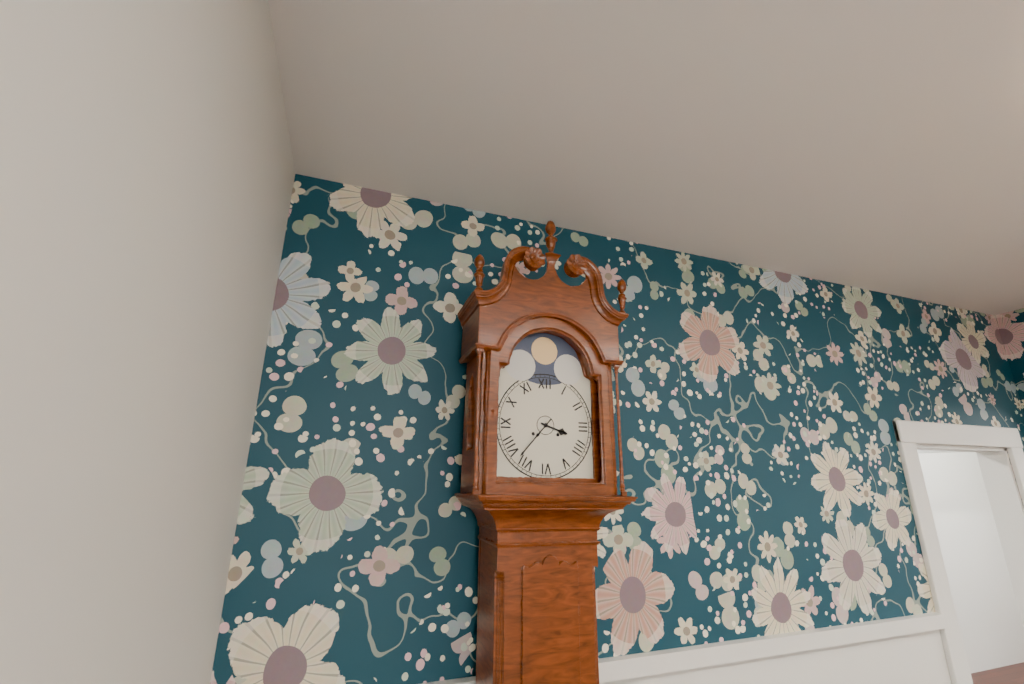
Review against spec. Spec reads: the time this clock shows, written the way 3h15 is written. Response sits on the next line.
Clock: 3h37
